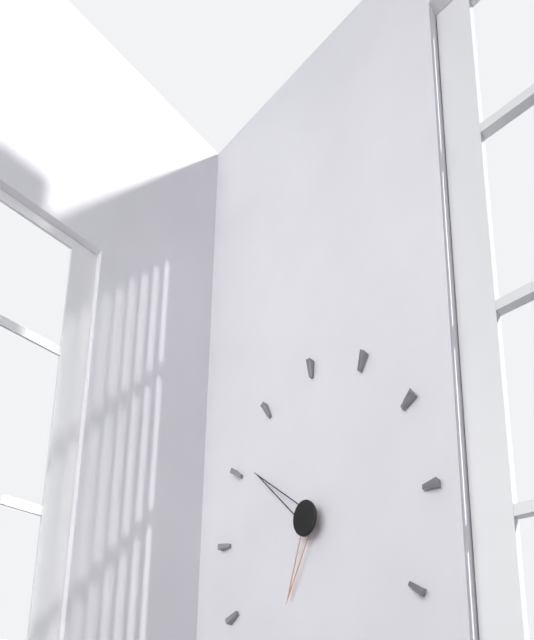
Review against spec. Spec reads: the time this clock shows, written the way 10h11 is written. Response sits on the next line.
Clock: 6h51
